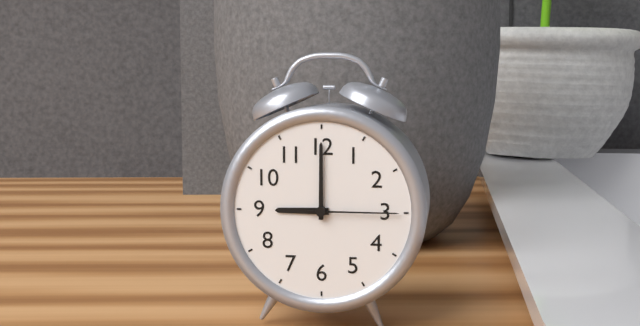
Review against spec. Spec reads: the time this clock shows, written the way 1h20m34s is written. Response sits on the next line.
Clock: 9h00m15s
